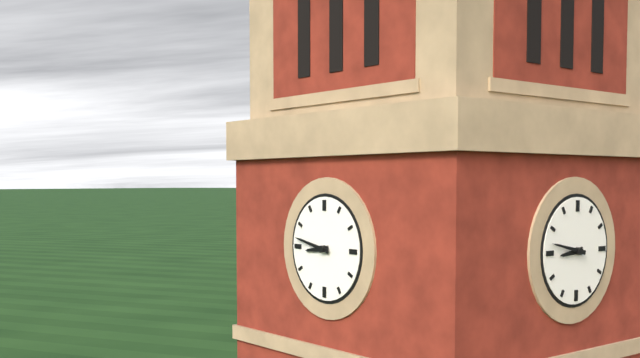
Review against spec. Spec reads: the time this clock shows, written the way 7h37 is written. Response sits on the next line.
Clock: 8h47
